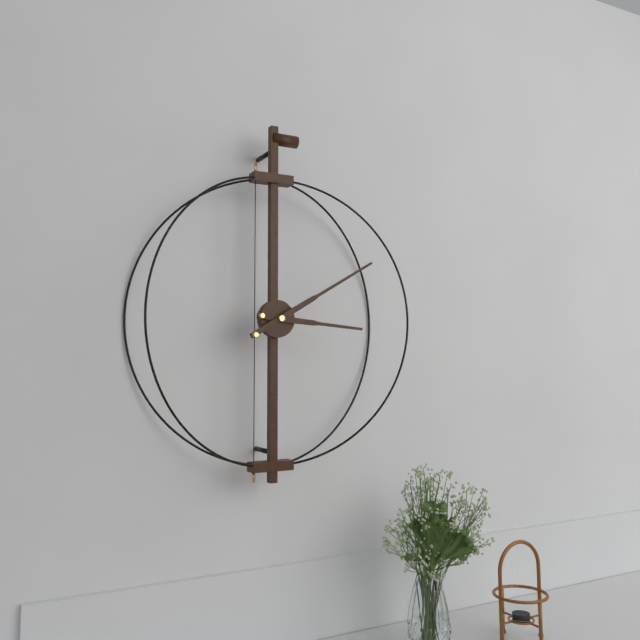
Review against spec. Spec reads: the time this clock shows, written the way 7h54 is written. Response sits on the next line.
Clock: 3h10
